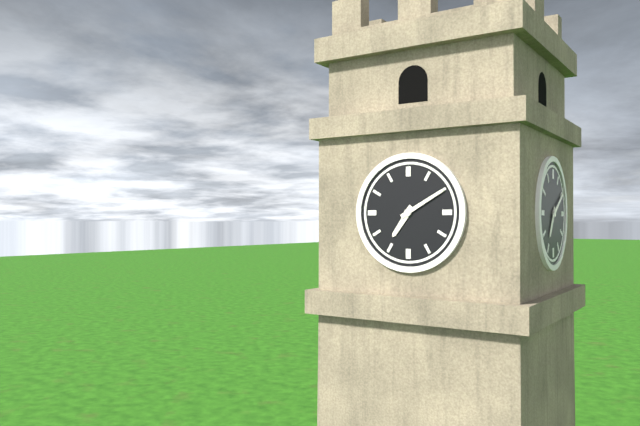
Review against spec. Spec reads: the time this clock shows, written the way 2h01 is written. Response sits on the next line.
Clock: 7h10
